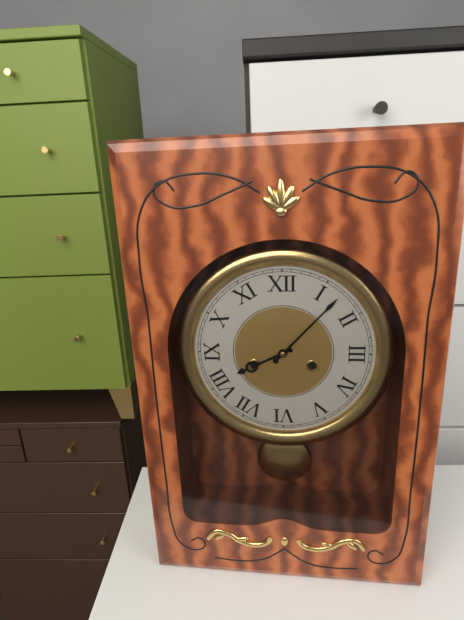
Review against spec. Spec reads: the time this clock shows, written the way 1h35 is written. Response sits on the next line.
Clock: 8h07
